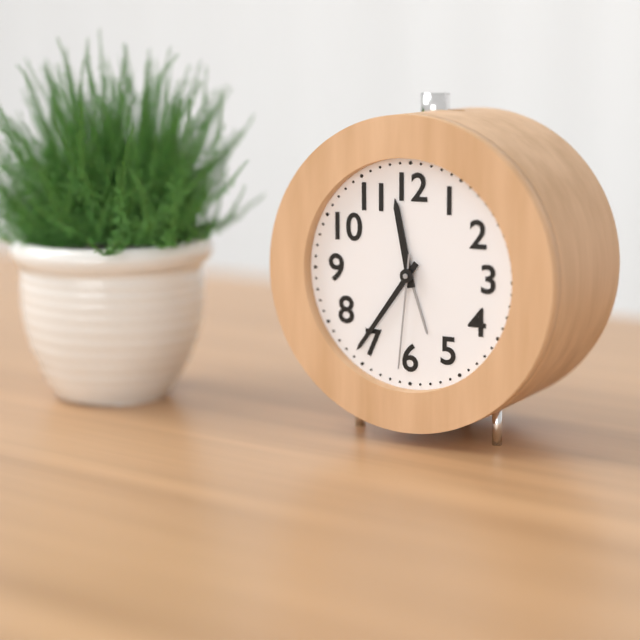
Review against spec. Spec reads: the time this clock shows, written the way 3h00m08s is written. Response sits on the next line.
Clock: 11h36m31s
